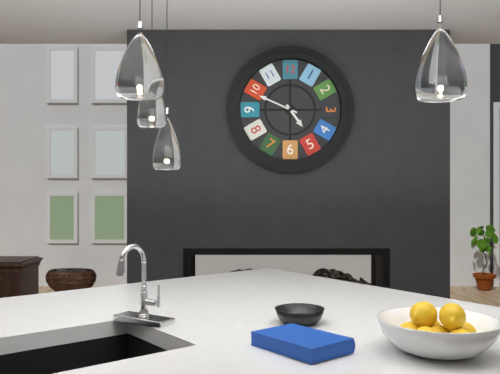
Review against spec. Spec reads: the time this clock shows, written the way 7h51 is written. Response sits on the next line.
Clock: 4h49
